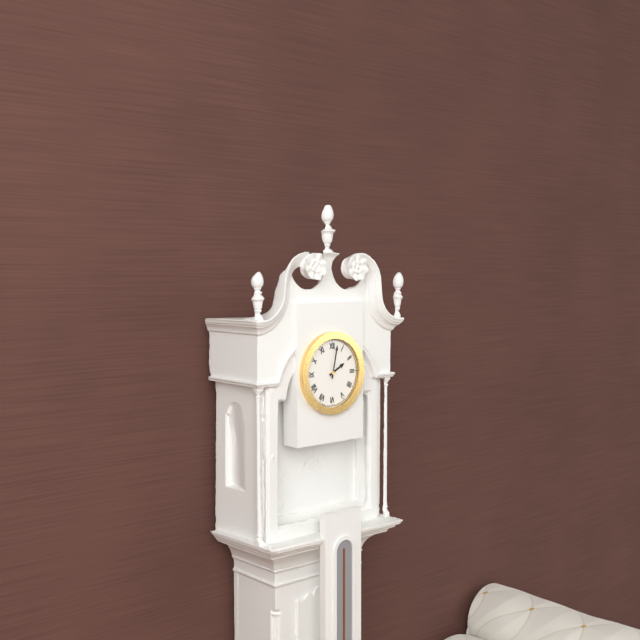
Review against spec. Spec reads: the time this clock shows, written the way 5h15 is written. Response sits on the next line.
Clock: 2h02
